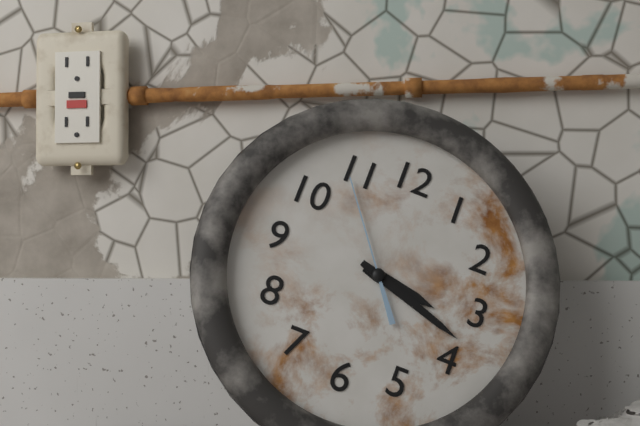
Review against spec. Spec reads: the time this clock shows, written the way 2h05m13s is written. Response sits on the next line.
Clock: 3h18m54s
